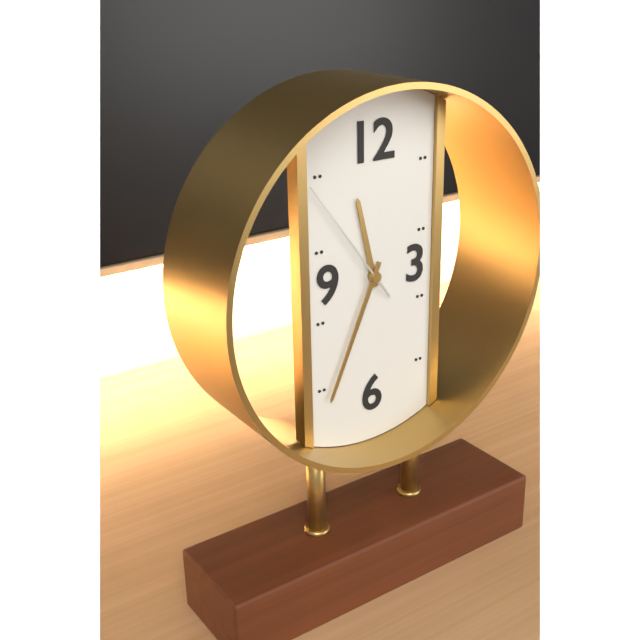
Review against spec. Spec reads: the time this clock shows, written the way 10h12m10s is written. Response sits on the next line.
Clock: 11h34m54s
